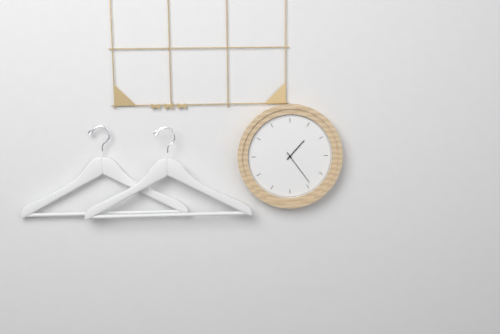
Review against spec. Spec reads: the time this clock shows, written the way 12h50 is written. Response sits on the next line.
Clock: 1h24
